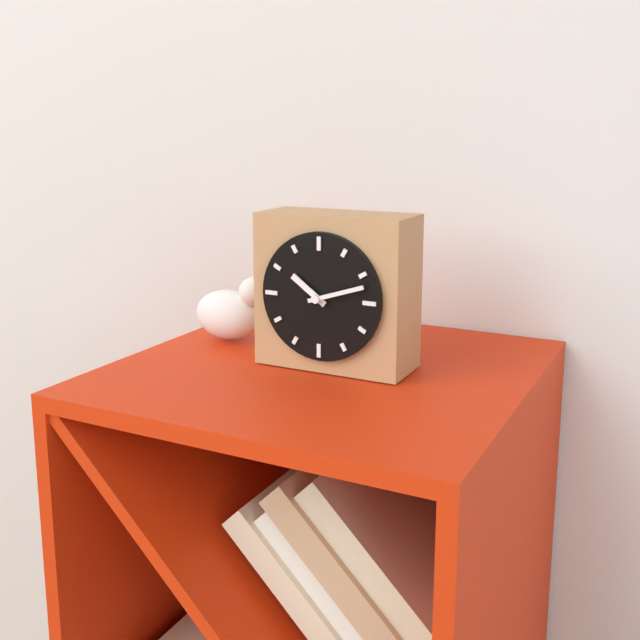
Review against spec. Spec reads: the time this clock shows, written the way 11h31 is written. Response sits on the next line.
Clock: 10h12
